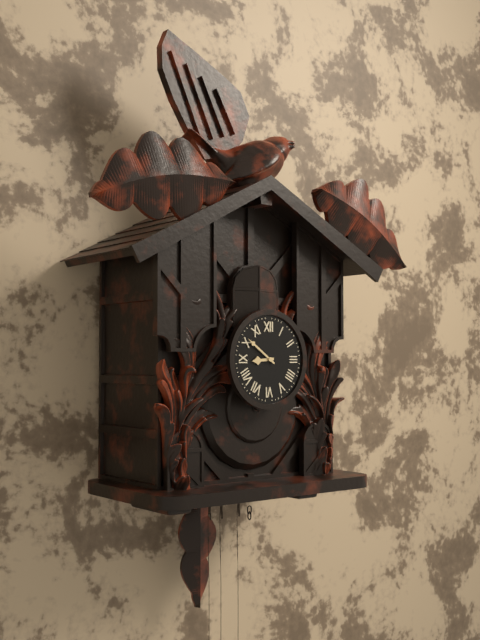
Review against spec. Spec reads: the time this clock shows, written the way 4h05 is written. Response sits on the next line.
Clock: 8h51
